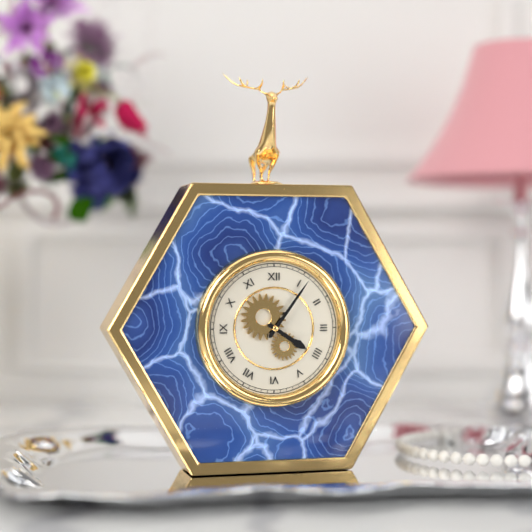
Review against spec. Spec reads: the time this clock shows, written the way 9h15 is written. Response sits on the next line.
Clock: 4h06
